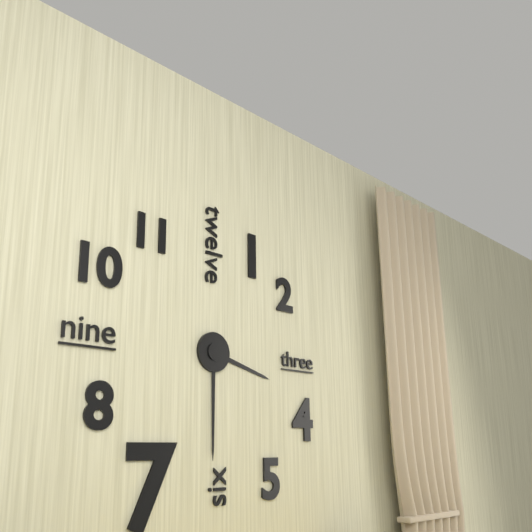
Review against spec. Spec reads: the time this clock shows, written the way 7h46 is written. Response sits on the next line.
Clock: 3h30
